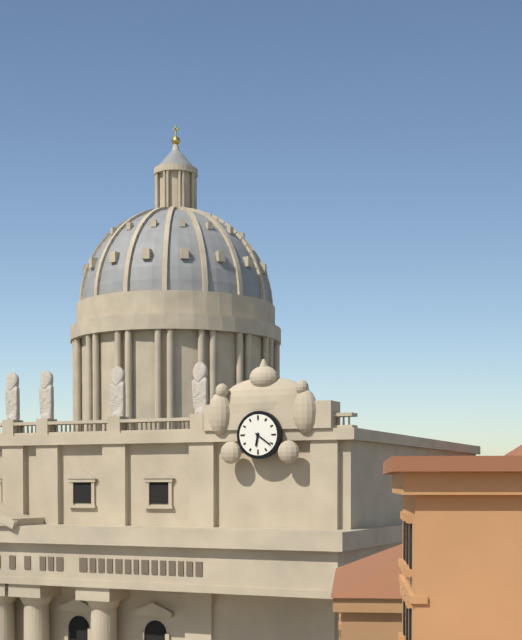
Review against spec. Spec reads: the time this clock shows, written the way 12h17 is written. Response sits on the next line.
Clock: 6h21
